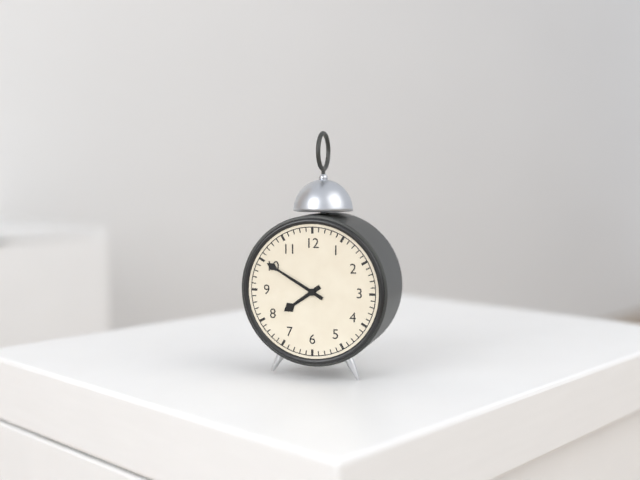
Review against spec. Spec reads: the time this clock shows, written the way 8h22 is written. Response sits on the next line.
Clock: 7h50
